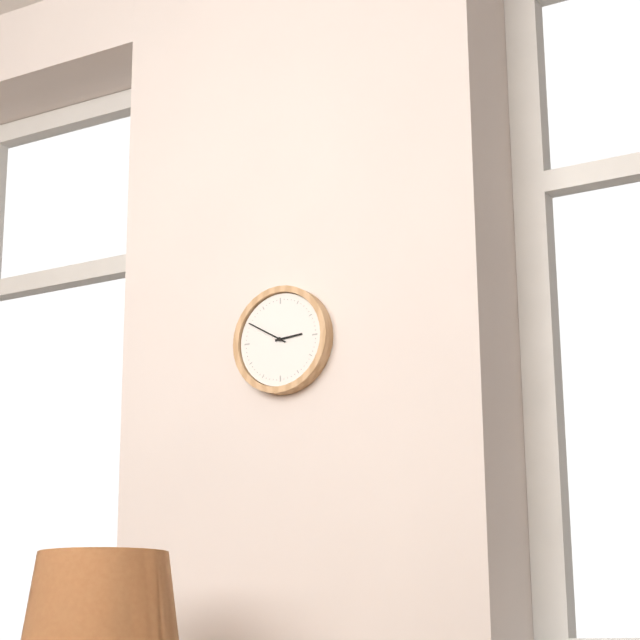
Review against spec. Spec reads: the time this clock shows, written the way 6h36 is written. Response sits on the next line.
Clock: 2h50
